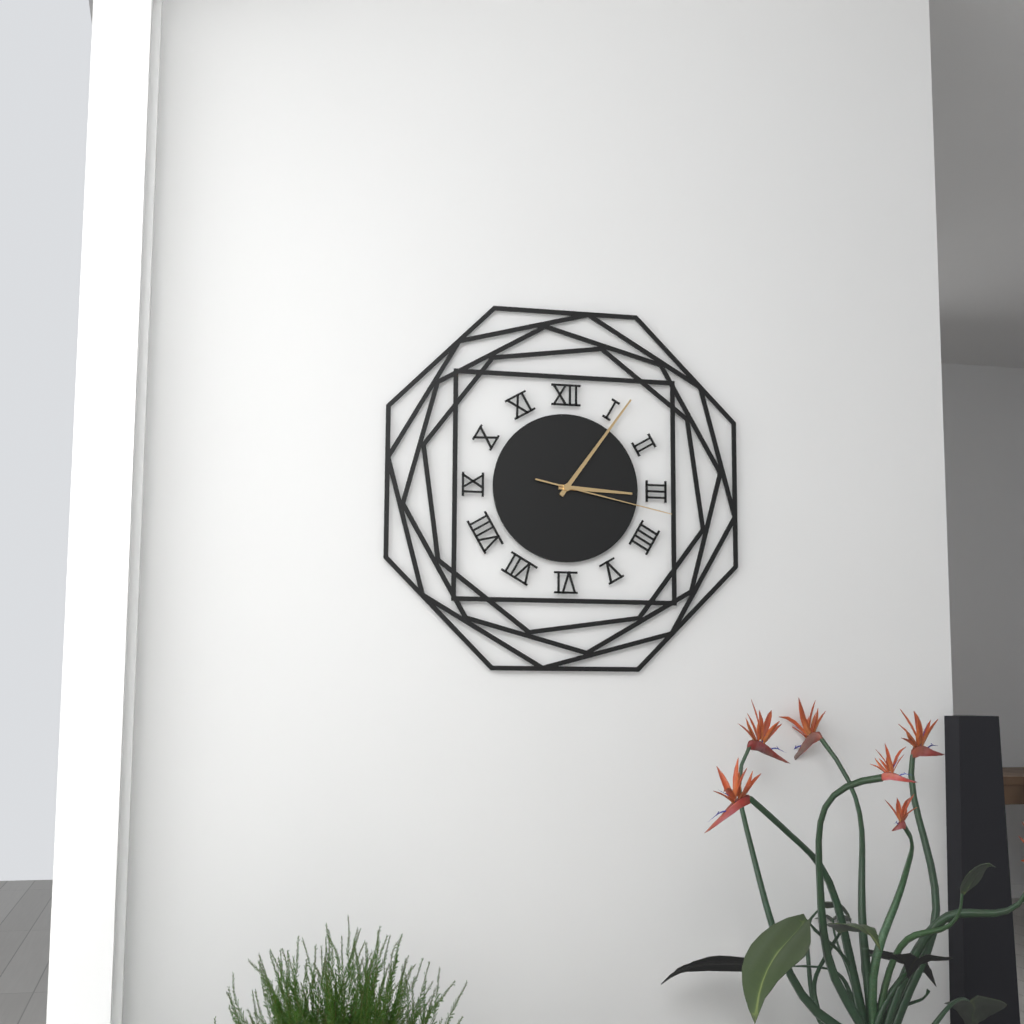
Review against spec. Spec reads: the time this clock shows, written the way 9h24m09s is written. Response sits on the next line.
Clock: 3h06m17s
